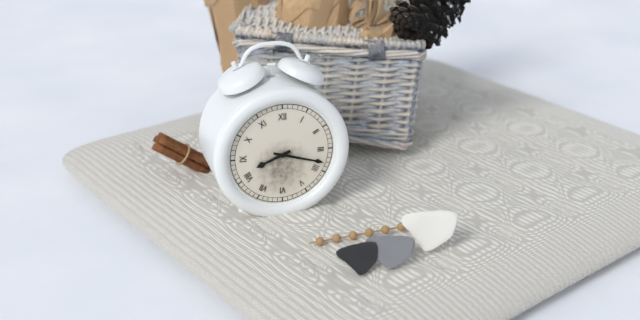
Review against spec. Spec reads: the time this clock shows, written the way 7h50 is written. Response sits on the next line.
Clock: 8h18
